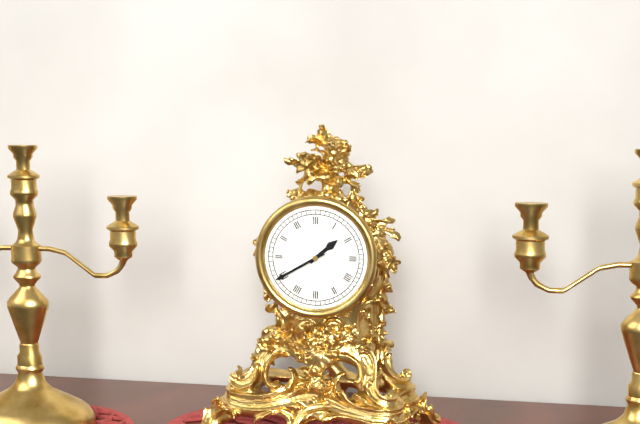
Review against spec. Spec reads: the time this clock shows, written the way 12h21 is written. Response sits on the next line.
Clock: 1h40
